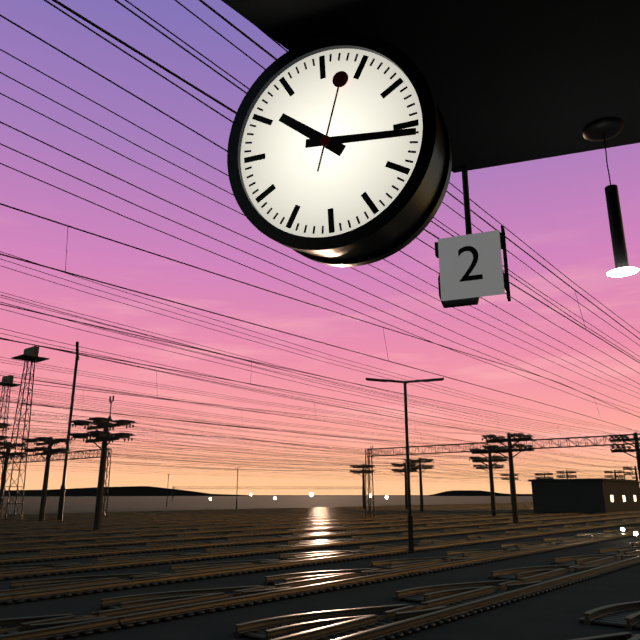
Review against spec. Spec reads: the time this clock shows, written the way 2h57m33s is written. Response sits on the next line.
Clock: 10h16m03s
